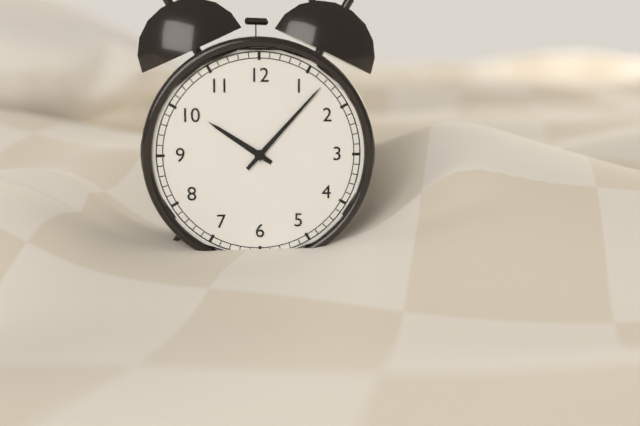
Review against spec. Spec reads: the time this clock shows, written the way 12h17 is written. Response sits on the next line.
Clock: 10h07
